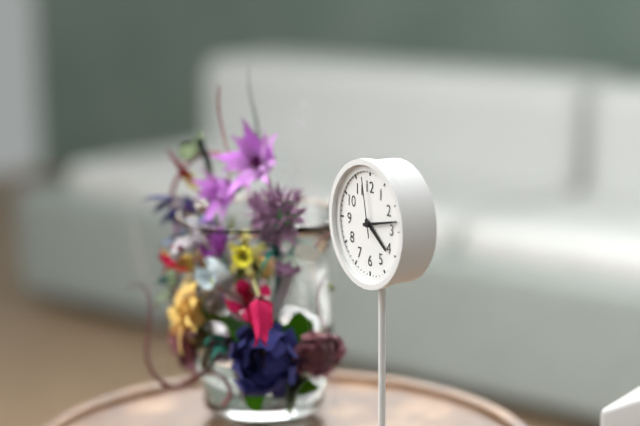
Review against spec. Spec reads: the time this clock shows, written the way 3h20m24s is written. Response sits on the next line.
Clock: 4h13m58s
